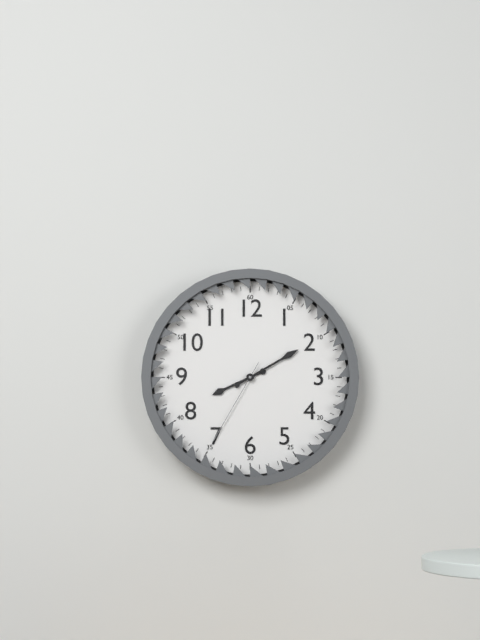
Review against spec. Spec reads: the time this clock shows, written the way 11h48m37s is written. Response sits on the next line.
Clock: 8h10m35s
